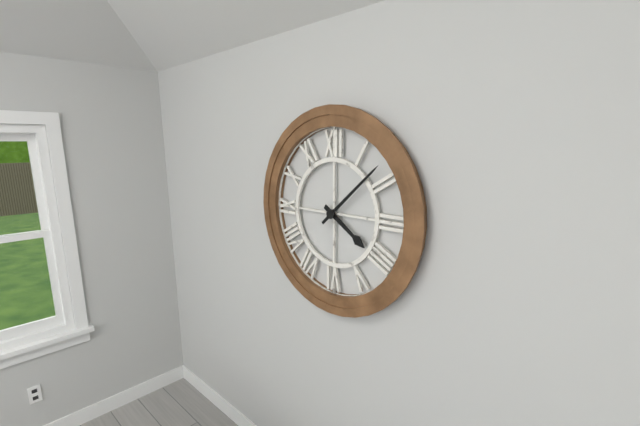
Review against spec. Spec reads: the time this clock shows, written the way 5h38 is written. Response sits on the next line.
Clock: 4h08
